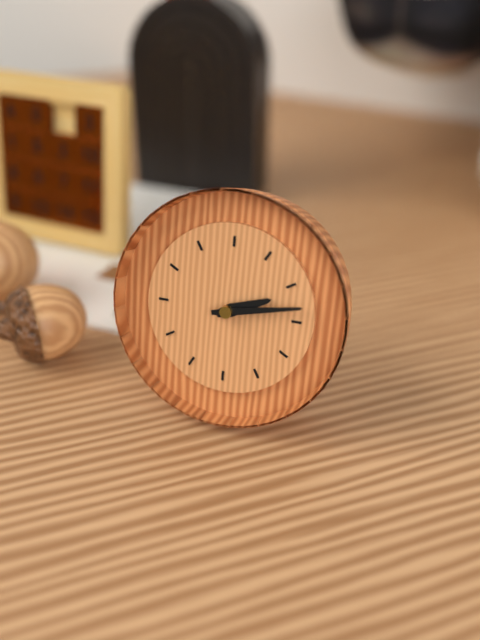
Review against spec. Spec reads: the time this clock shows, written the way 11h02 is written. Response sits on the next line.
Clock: 2h13
